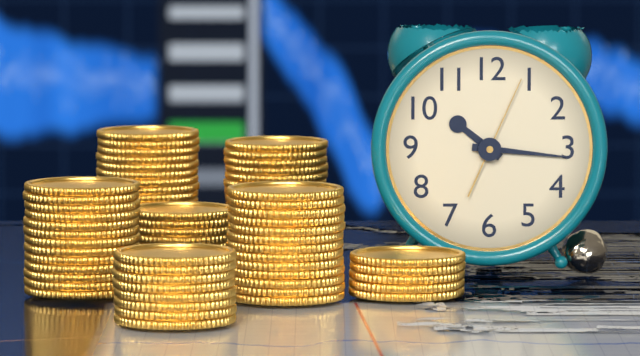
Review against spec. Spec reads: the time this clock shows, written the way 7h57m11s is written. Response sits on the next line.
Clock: 10h16m04s
